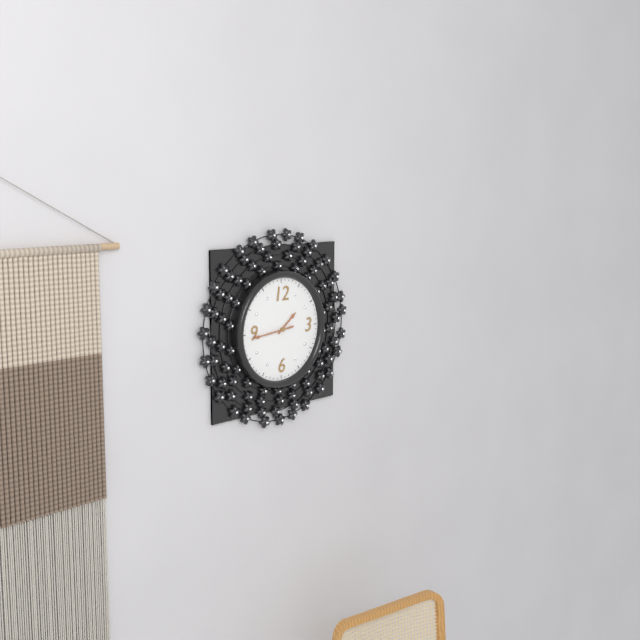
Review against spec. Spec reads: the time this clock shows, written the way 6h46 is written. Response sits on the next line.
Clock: 1h44
